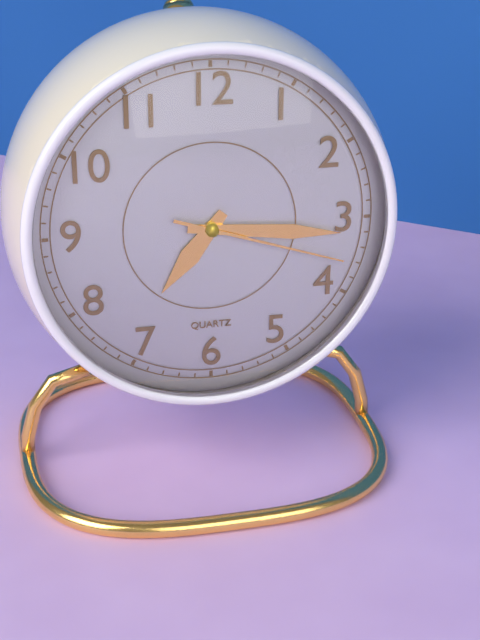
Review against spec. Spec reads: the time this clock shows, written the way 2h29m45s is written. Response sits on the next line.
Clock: 7h16m18s
